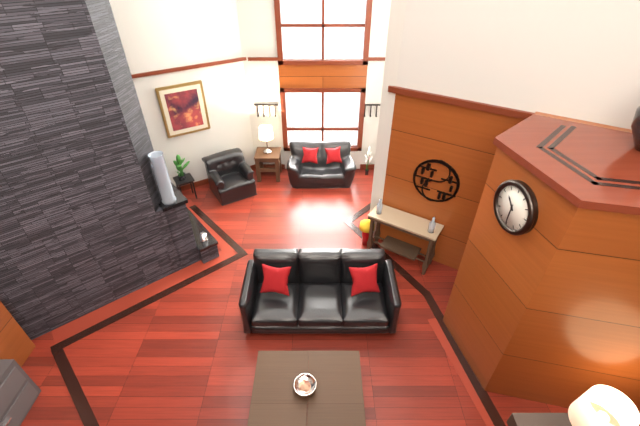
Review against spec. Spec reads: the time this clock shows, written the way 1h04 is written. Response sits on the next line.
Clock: 10h30
